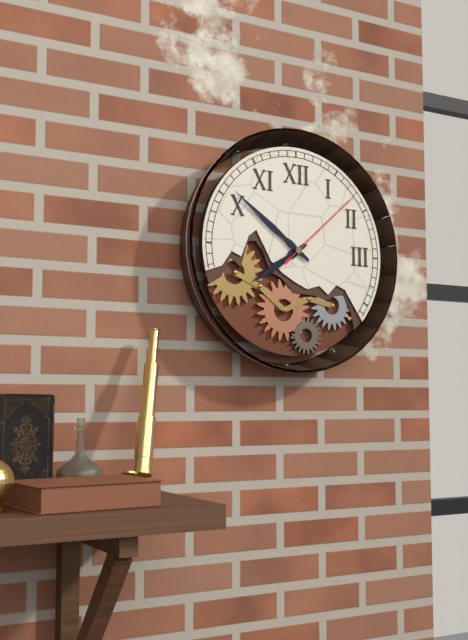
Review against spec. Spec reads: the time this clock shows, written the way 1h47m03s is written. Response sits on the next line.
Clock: 7h51m08s
